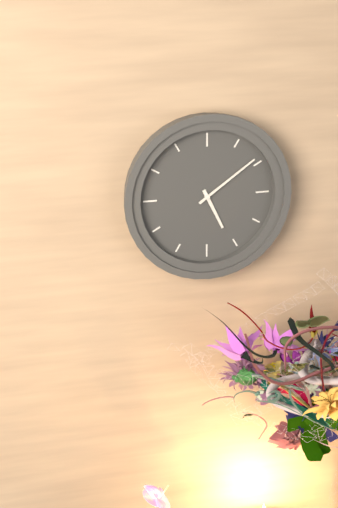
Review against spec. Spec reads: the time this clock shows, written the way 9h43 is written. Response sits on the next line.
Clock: 5h09
